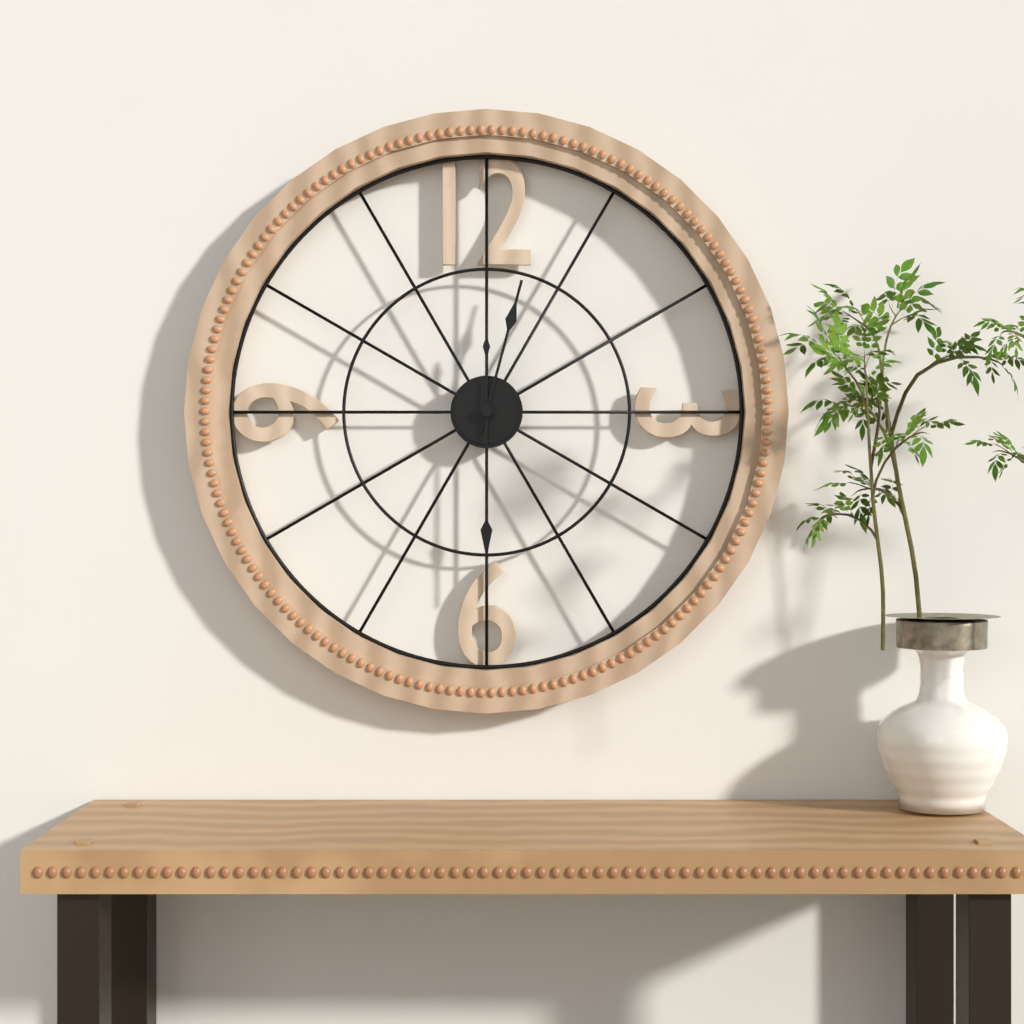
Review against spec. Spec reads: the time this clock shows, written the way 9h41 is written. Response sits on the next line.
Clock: 12h30
